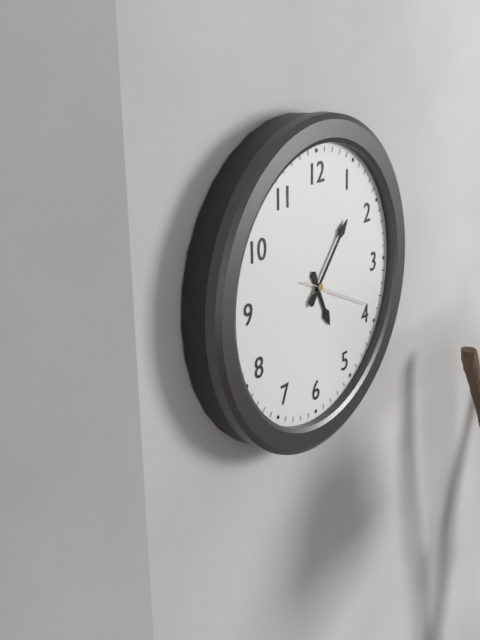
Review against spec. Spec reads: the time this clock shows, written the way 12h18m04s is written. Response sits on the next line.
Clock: 5h07m19s
